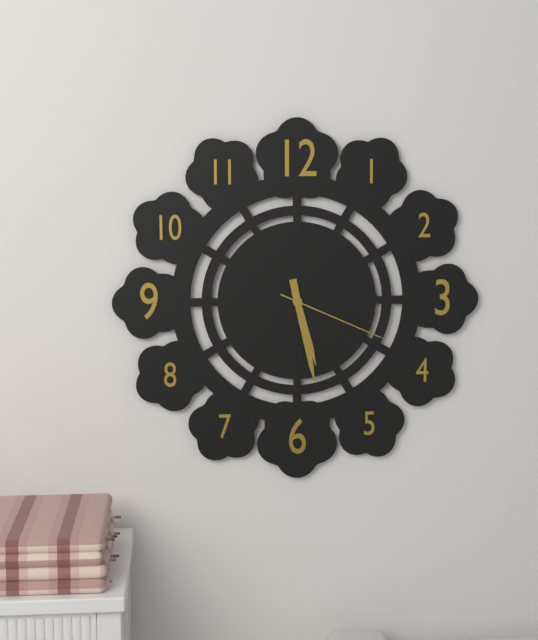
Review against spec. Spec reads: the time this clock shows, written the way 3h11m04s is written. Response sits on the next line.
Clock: 5h28m19s
